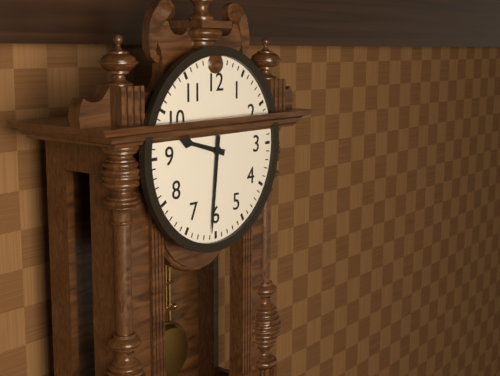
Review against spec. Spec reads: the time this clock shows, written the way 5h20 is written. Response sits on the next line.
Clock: 9h31
